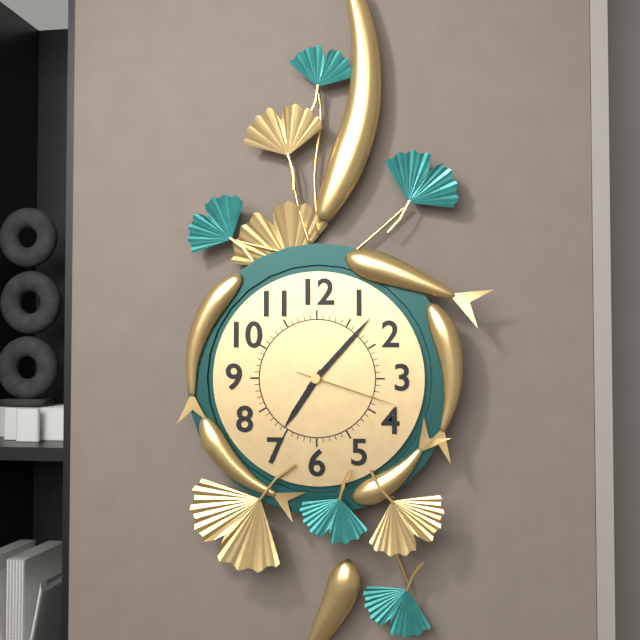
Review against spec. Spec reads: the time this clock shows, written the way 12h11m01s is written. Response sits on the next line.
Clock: 7h07m18s
